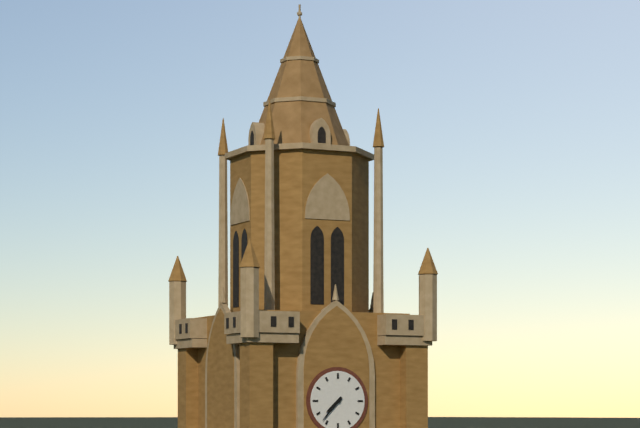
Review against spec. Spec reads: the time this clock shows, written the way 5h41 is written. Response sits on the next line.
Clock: 7h37
